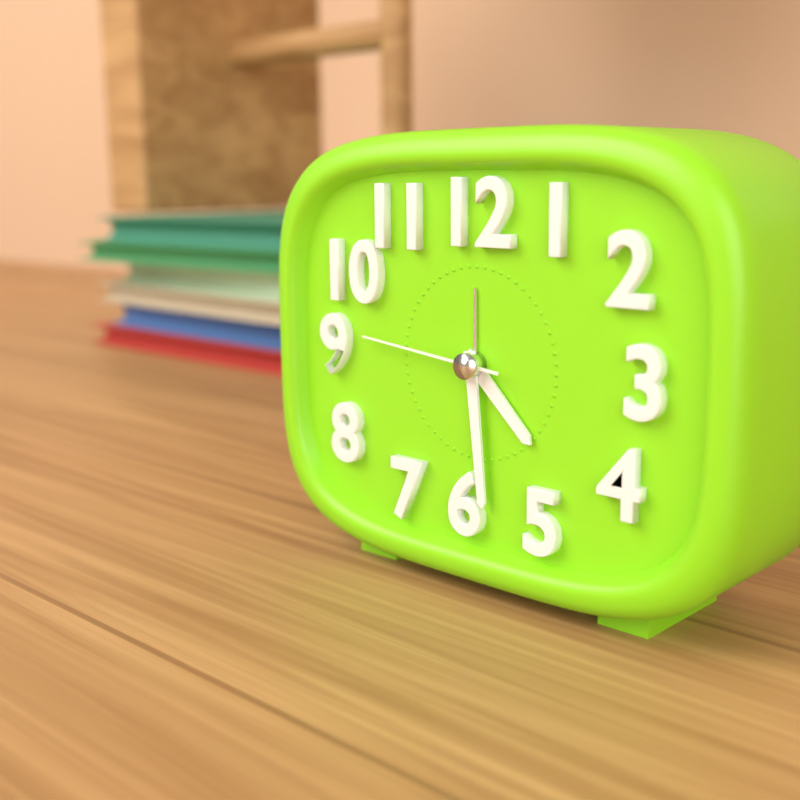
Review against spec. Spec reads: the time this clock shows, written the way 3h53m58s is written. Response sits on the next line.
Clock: 4h29m46s
